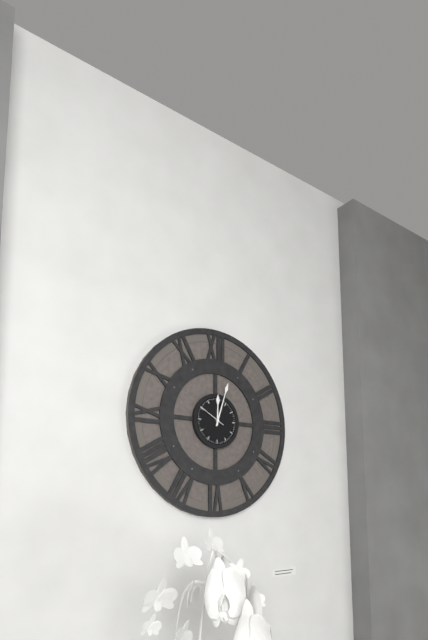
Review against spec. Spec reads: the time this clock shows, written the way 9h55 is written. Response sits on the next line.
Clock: 12h03
